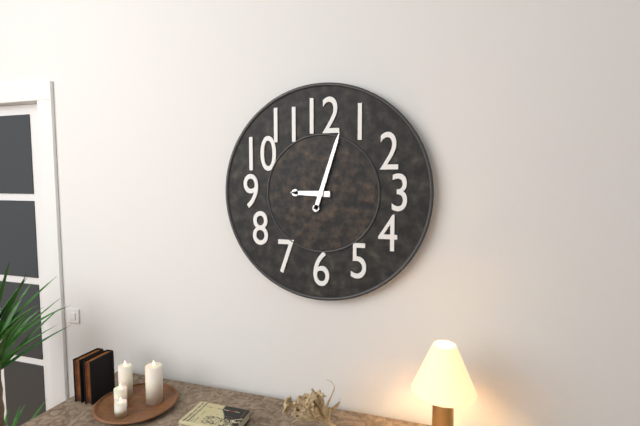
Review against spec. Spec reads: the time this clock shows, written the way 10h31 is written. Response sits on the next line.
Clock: 9h03
